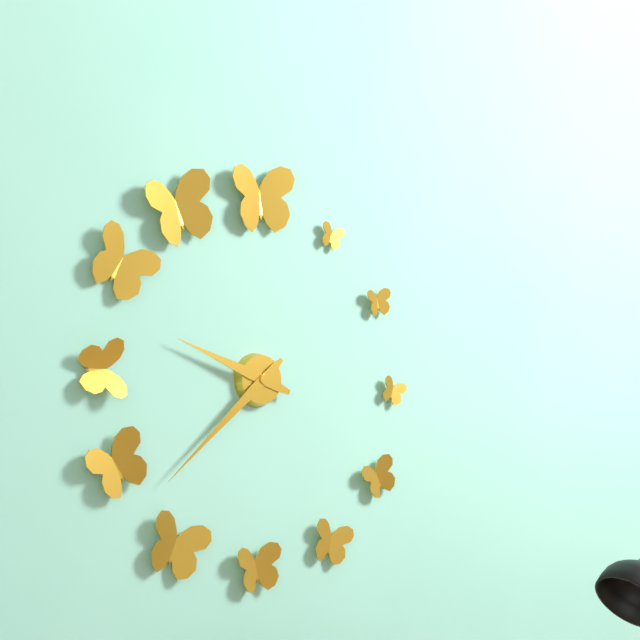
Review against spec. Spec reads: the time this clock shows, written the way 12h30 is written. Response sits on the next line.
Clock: 9h38
